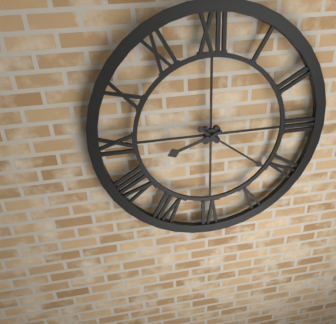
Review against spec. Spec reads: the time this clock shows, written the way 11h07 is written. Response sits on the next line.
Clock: 8h21
